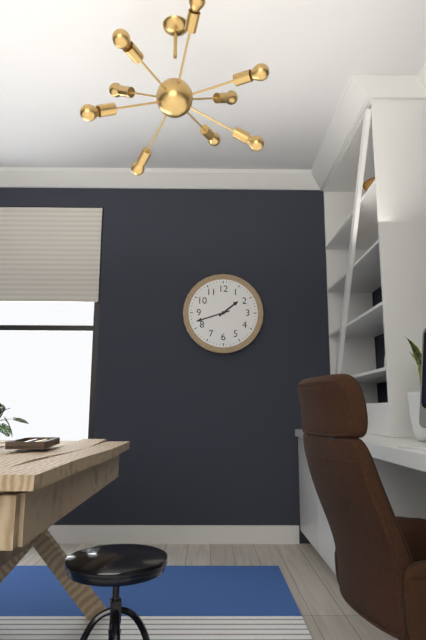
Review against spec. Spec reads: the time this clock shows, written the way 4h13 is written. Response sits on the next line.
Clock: 1h42
